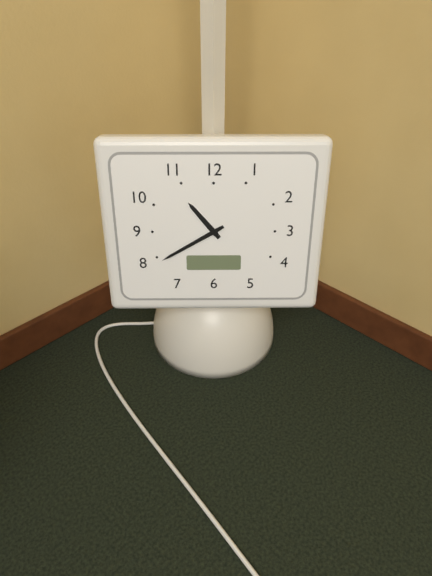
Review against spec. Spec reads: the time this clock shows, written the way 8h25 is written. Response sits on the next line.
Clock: 10h40
